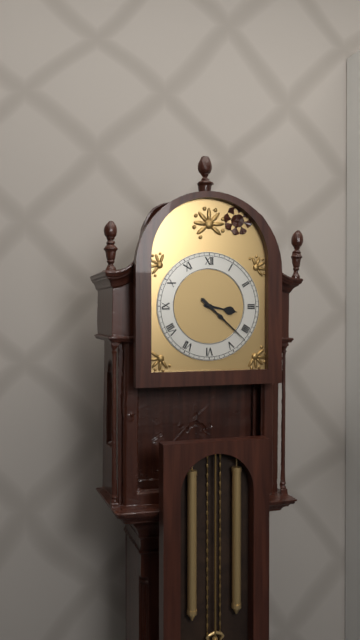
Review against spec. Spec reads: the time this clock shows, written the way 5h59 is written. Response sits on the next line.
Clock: 3h22
